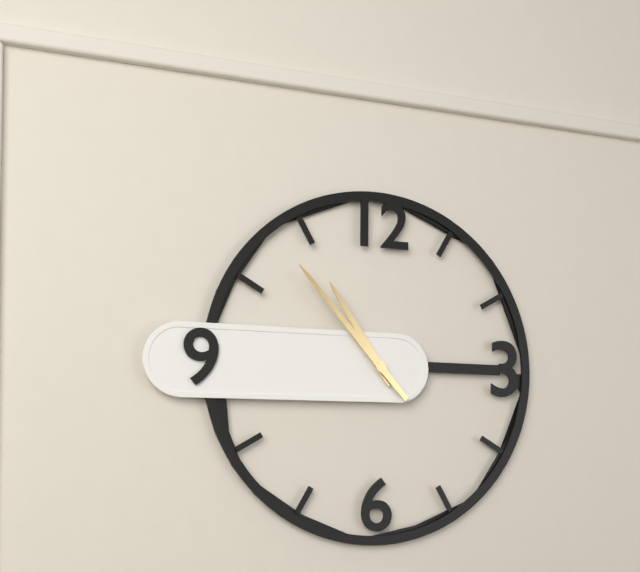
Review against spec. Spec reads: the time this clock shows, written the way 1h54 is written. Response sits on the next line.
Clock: 10h53
